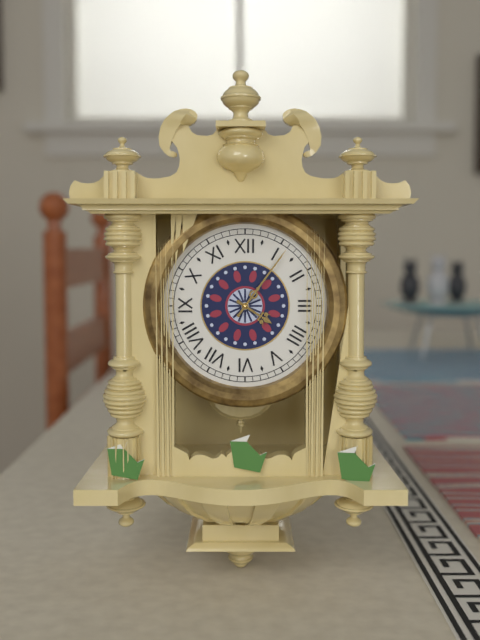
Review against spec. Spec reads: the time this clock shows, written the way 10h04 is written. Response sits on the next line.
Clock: 4h06
